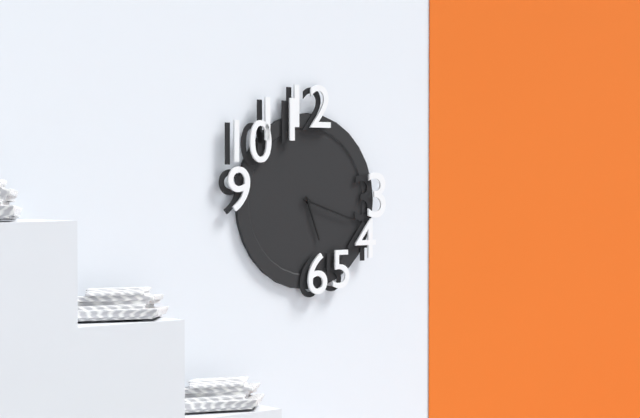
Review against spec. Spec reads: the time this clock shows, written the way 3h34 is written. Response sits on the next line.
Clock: 5h18
